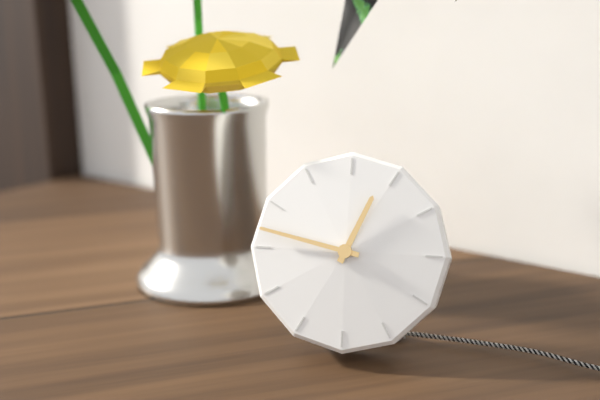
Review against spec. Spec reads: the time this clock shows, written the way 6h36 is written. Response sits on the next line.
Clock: 12h47
